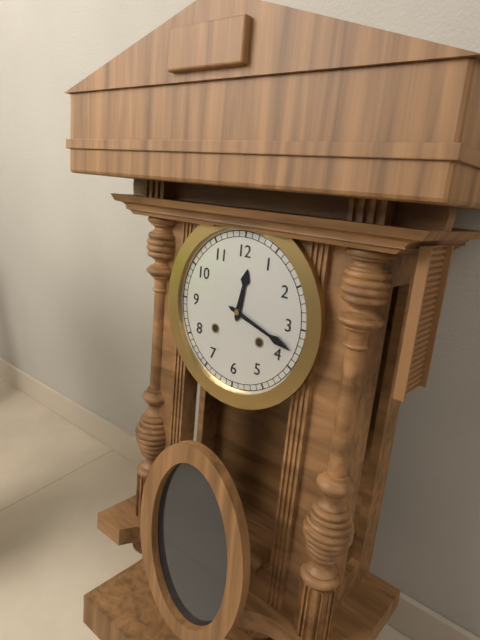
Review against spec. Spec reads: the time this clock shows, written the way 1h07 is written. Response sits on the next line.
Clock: 12h18
